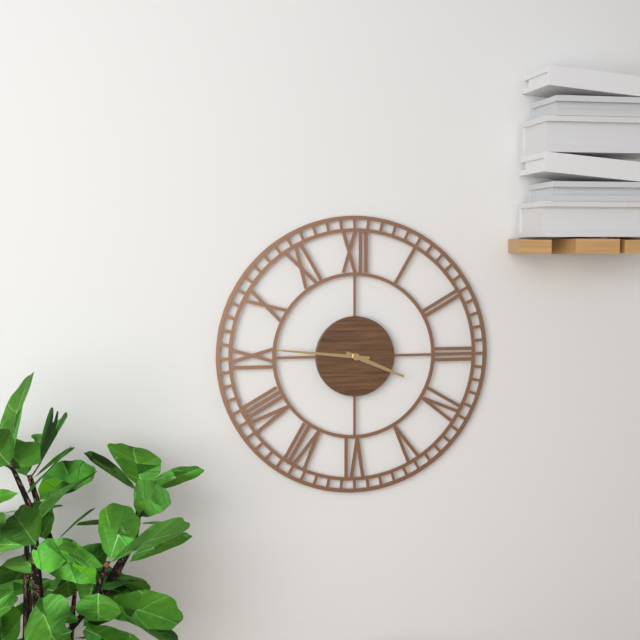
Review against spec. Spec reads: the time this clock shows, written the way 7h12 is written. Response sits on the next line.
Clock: 3h46
